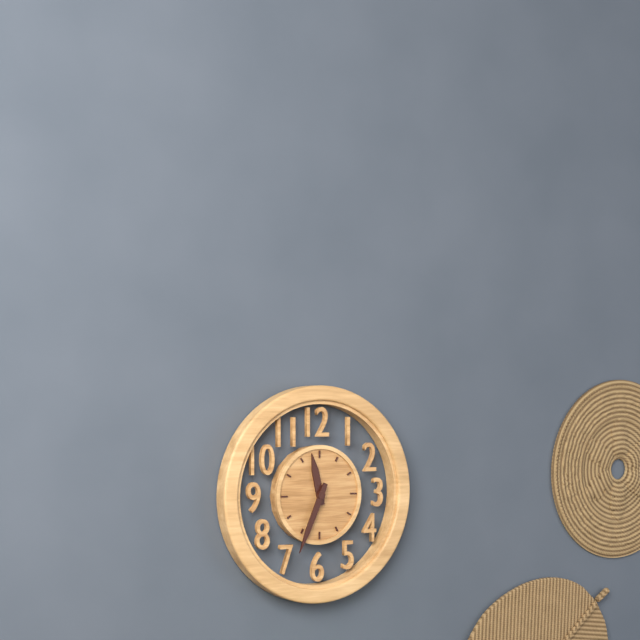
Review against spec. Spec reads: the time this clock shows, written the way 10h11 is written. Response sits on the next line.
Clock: 11h34
